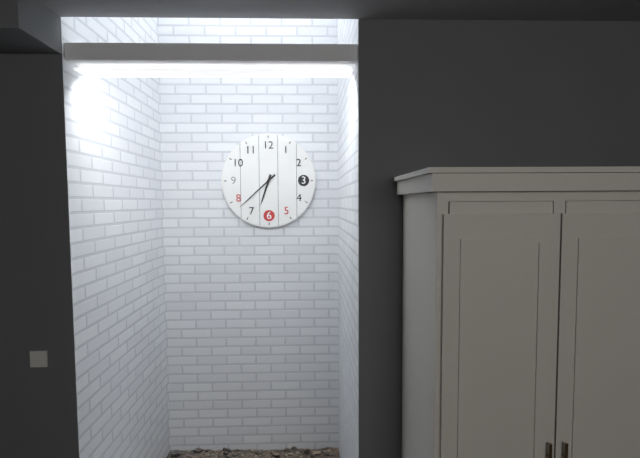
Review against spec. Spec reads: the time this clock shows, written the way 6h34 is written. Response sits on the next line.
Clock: 6h38
